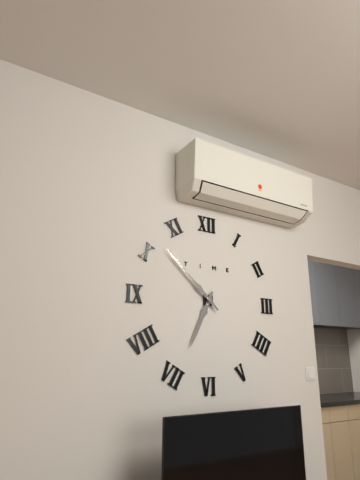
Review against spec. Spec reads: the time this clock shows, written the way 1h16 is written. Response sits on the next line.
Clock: 6h52
